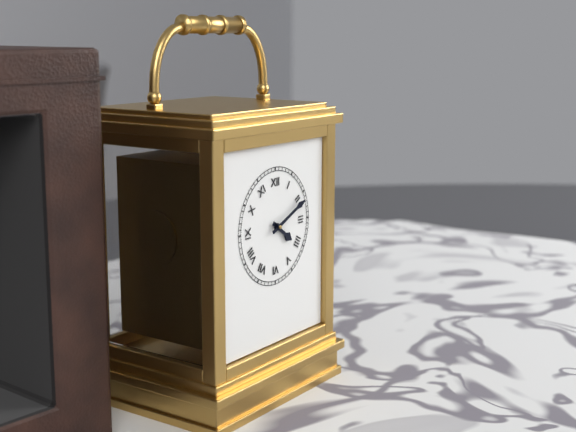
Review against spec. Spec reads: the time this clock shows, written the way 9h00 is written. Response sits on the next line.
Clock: 4h11
